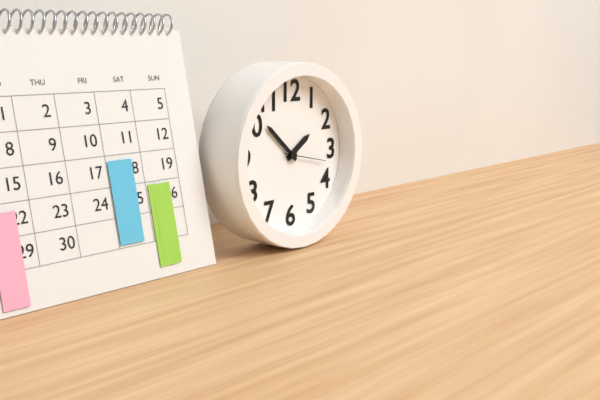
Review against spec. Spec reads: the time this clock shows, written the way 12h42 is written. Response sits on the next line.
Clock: 1h52
